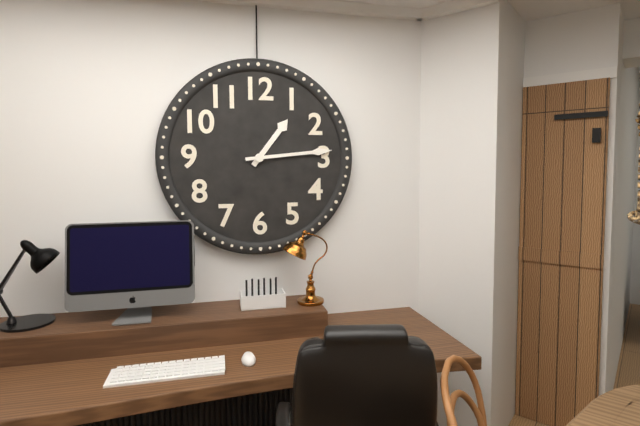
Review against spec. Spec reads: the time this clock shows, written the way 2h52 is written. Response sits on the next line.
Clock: 1h14
